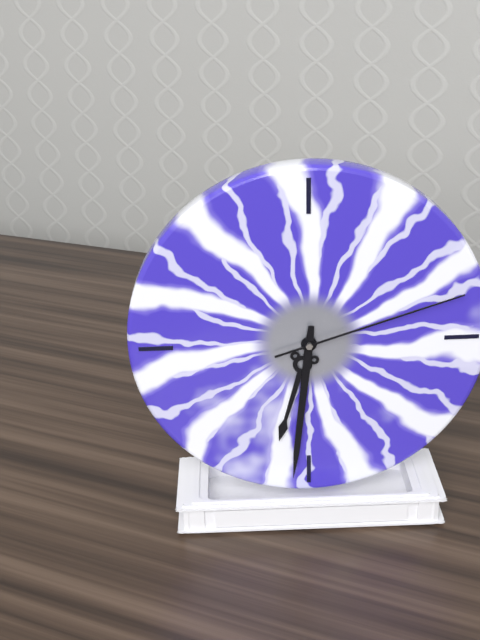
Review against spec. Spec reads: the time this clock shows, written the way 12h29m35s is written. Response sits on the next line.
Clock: 6h31m12s
